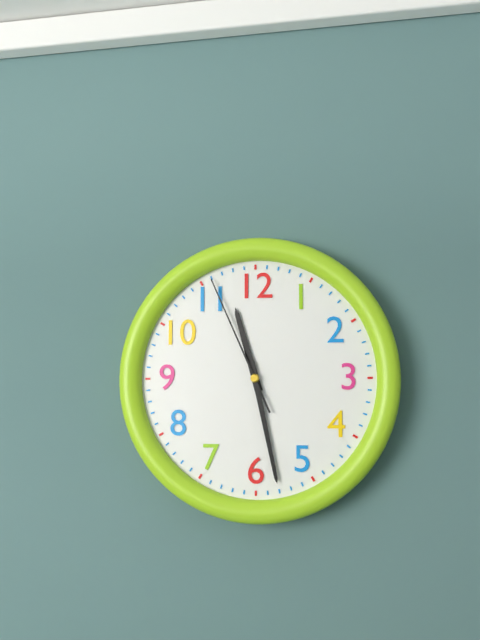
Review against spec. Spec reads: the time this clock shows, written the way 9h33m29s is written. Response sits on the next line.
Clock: 11h28m56s
